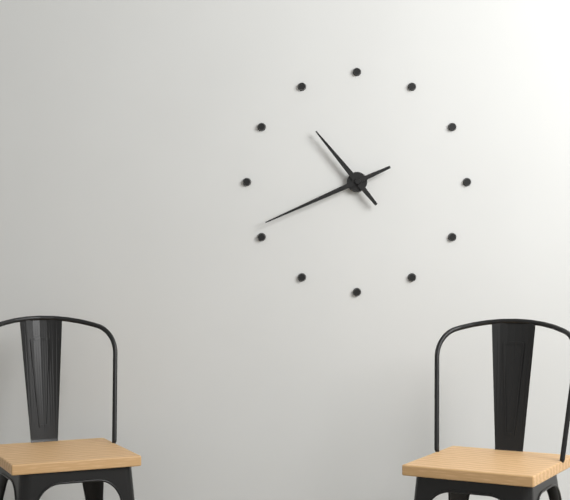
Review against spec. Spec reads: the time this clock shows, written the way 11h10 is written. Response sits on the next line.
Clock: 10h41
